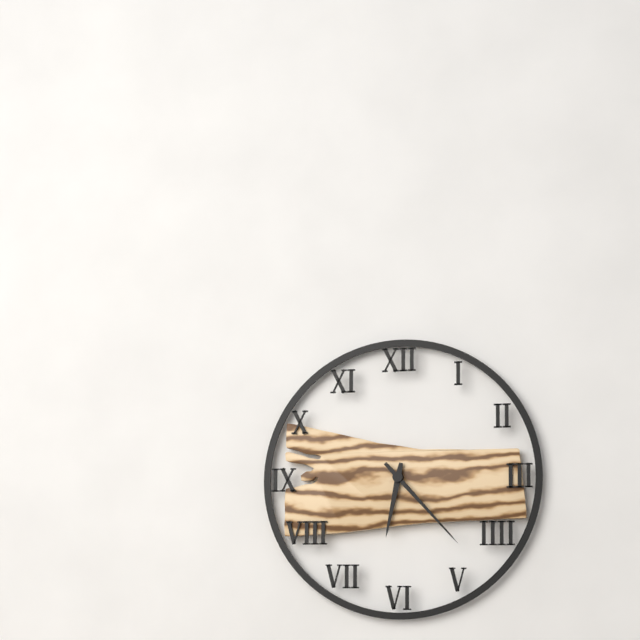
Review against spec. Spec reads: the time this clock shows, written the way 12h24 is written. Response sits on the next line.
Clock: 6h23
